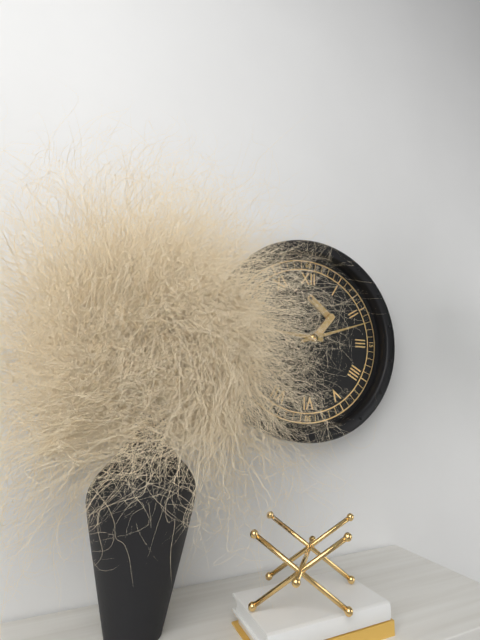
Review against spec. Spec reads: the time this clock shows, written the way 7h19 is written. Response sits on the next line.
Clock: 9h12
